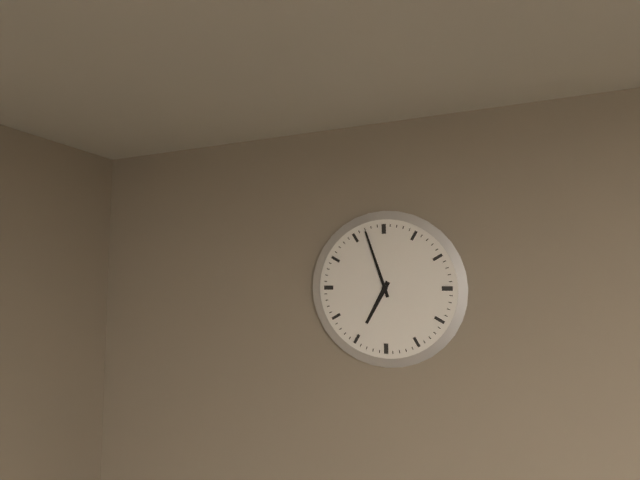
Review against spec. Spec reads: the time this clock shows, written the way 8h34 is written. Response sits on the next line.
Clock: 6h57
